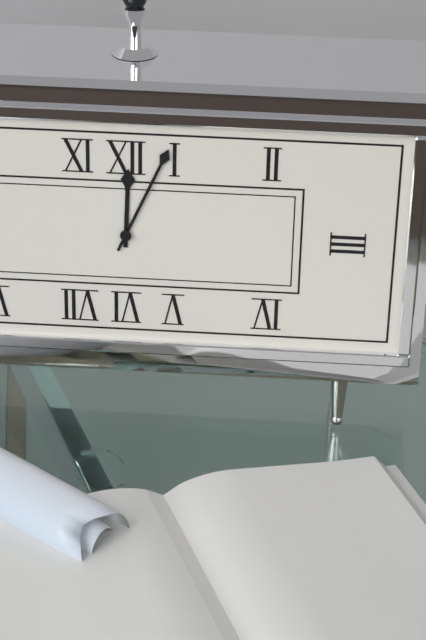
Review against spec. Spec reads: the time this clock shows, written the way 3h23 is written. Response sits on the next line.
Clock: 12h04
